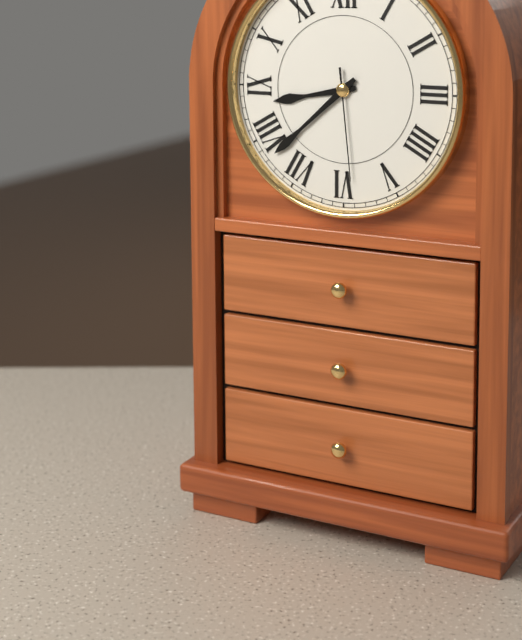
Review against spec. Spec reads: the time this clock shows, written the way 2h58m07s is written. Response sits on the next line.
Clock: 8h38m29s
